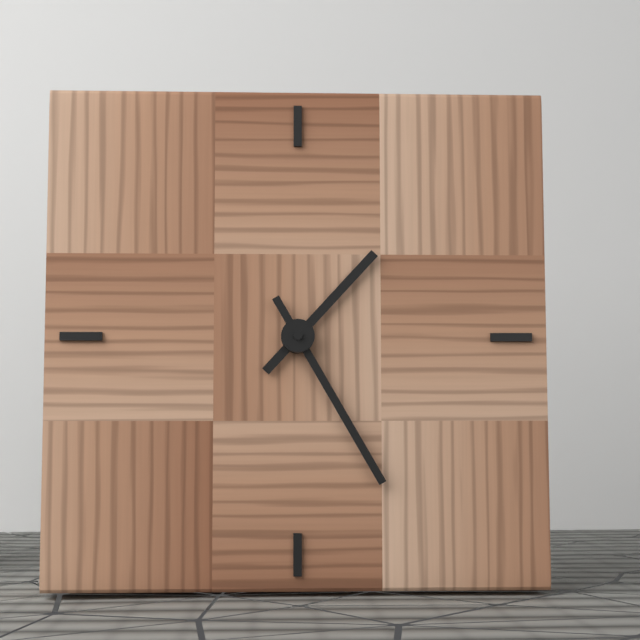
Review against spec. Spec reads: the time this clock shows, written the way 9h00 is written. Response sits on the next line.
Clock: 1h25
